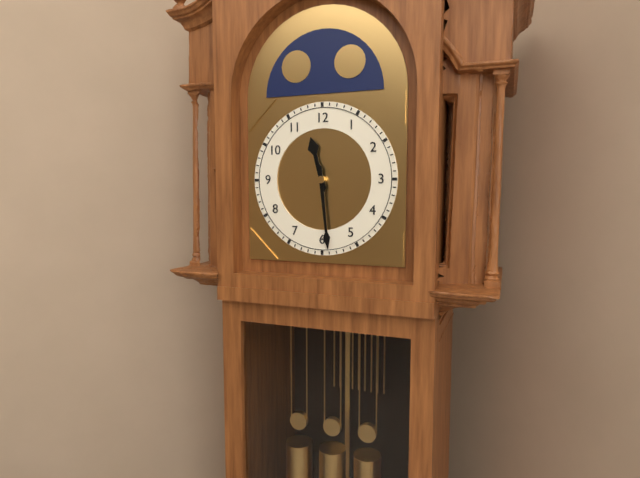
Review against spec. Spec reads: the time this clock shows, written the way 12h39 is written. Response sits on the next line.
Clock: 11h29
